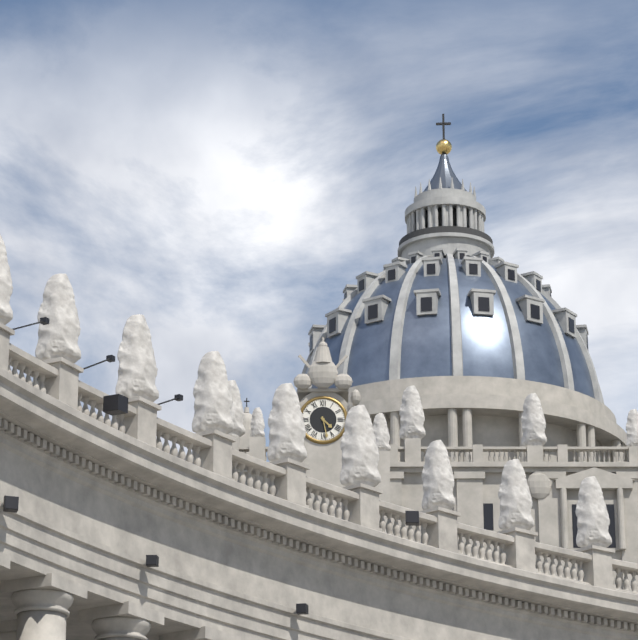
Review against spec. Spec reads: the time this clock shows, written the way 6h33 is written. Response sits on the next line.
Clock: 4h28
